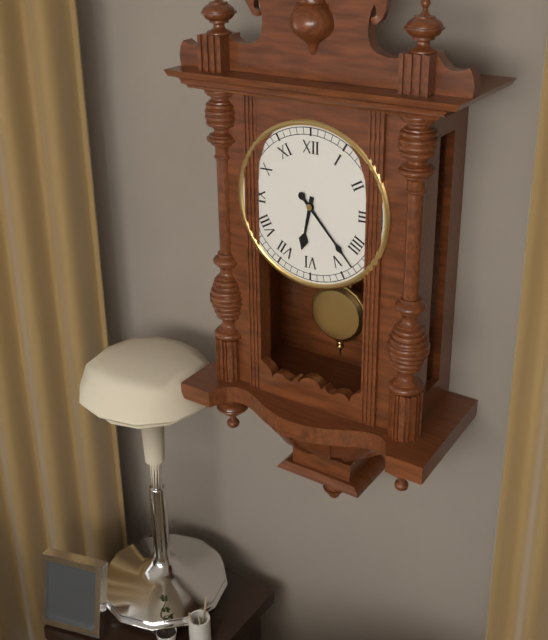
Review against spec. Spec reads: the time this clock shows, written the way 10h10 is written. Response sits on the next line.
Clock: 6h23
